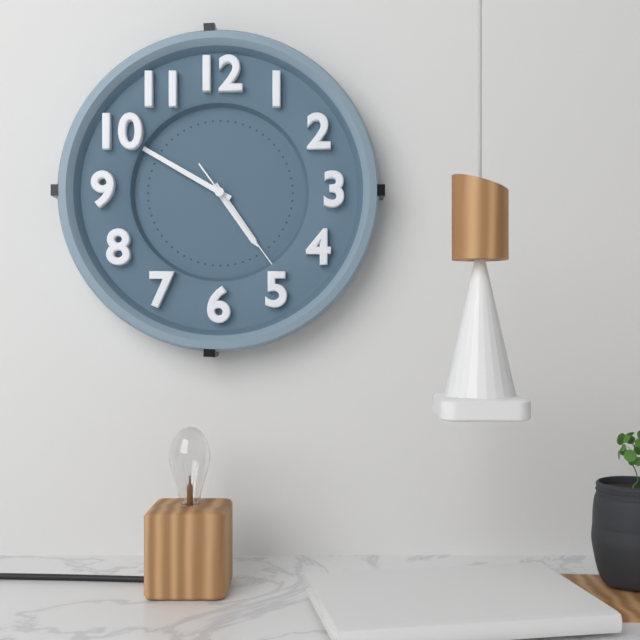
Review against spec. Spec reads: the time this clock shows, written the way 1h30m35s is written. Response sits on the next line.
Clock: 4h50m24s
